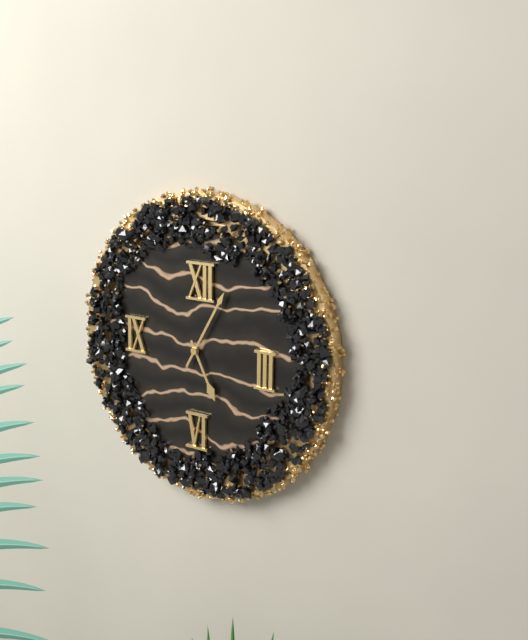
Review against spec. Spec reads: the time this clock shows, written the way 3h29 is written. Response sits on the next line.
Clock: 5h05
